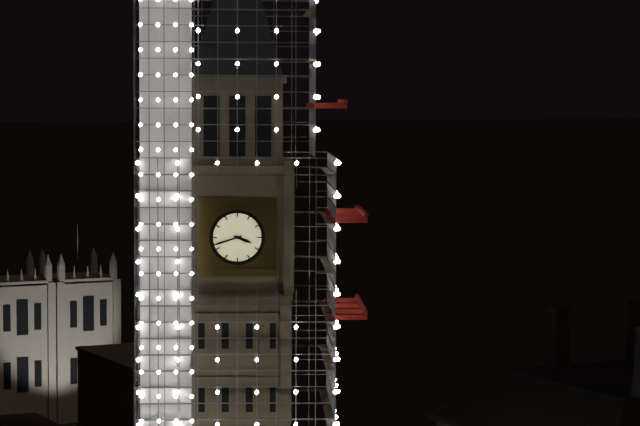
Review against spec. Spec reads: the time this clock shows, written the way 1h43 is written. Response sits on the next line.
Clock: 3h42
